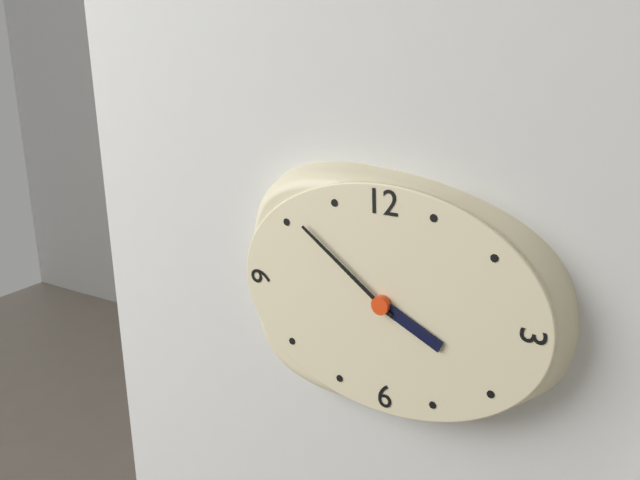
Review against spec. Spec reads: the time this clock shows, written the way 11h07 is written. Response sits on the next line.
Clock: 3h51
